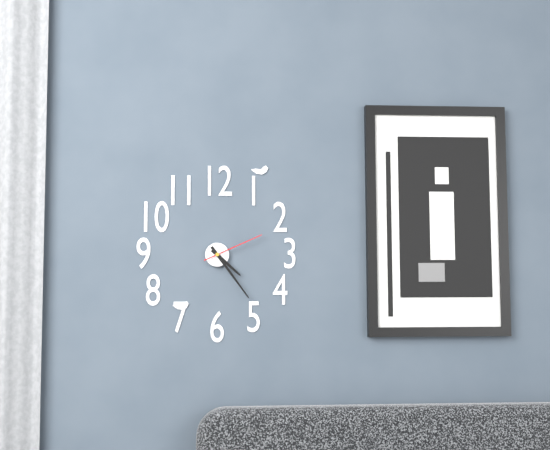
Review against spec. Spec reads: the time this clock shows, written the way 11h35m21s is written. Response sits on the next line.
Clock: 4h24m11s
